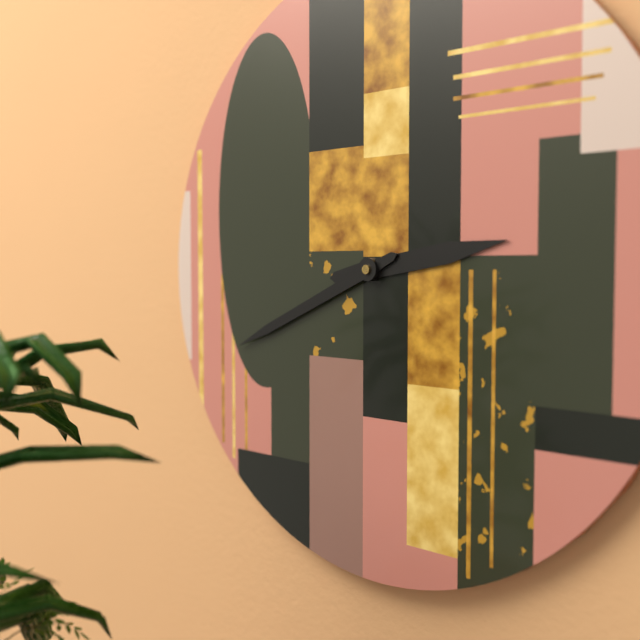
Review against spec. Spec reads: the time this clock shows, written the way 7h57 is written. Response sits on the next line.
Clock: 2h41
